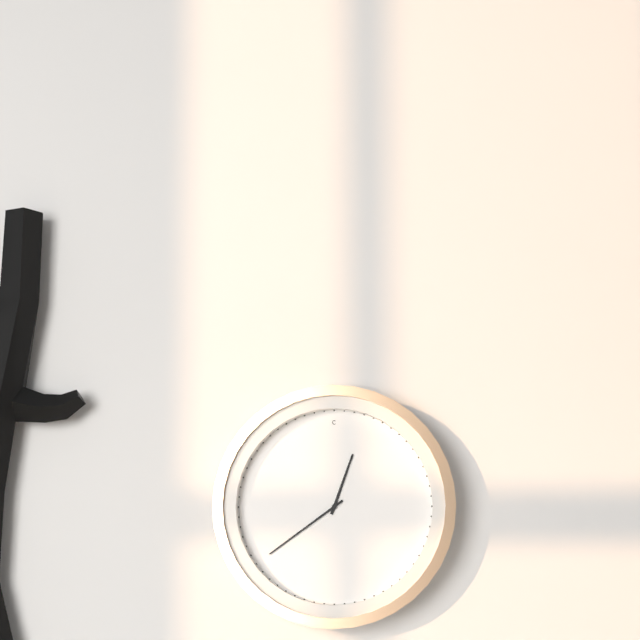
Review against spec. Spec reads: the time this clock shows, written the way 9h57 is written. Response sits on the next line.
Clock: 12h39
